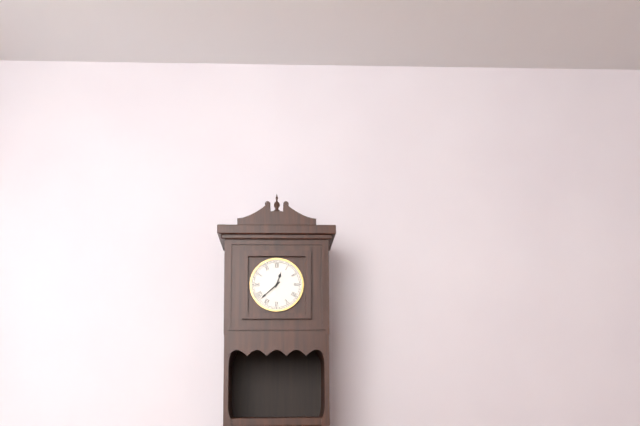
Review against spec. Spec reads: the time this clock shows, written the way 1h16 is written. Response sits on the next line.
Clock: 12h38
